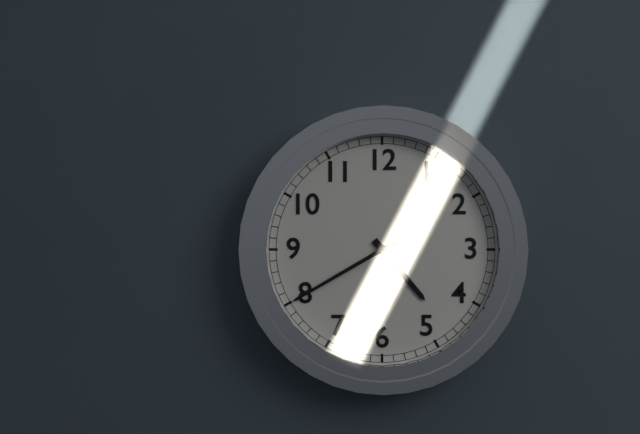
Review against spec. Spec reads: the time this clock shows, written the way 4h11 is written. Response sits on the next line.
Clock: 4h40
